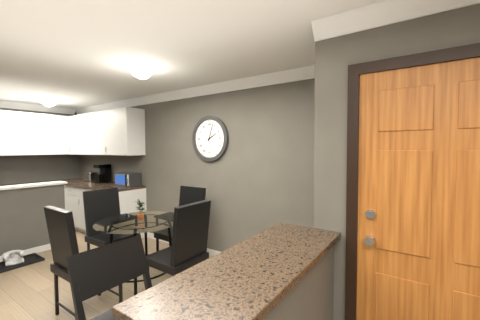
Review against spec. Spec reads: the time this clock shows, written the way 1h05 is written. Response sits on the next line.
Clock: 2h03
